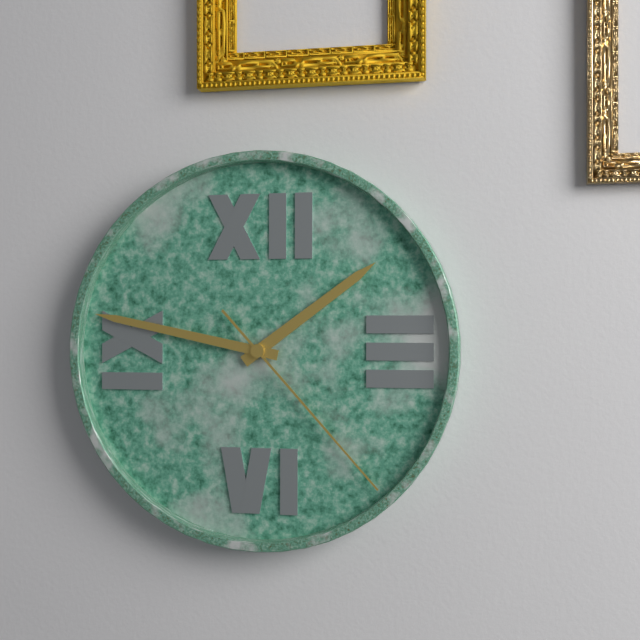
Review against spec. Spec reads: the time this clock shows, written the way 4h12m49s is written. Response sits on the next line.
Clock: 1h47m23s
